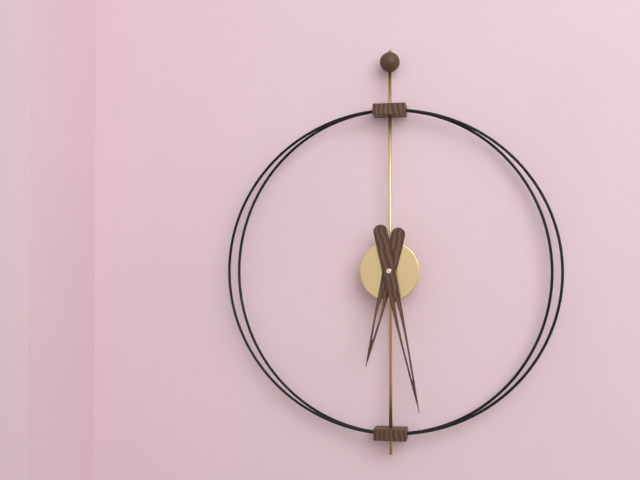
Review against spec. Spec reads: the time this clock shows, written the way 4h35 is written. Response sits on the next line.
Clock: 6h28
